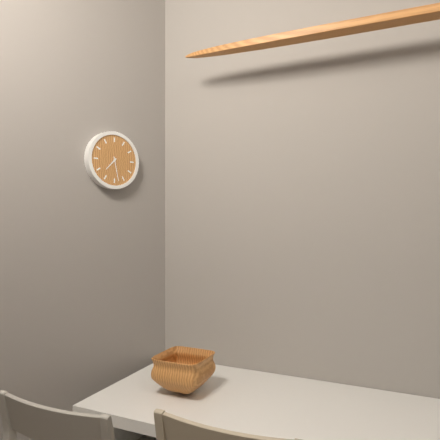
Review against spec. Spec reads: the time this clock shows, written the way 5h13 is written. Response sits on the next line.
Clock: 7h28
